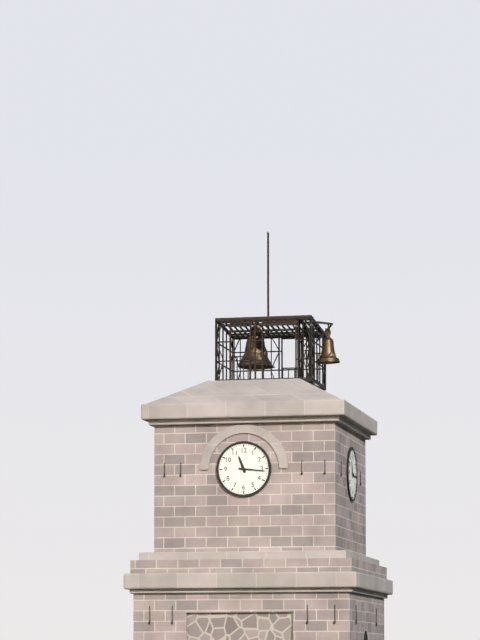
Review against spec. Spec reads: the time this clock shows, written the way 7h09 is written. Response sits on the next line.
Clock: 11h16
